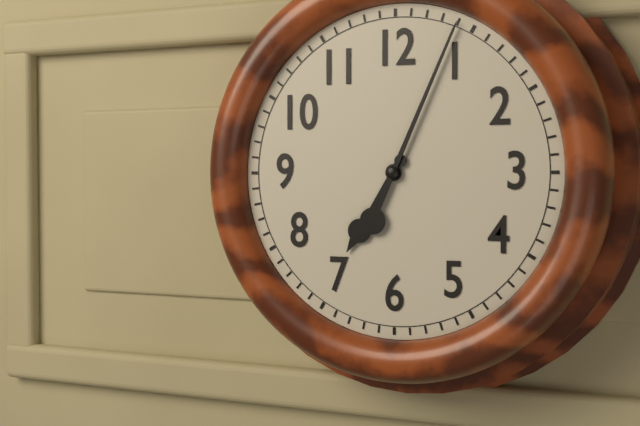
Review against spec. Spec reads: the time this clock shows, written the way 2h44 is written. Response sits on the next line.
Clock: 7h04
